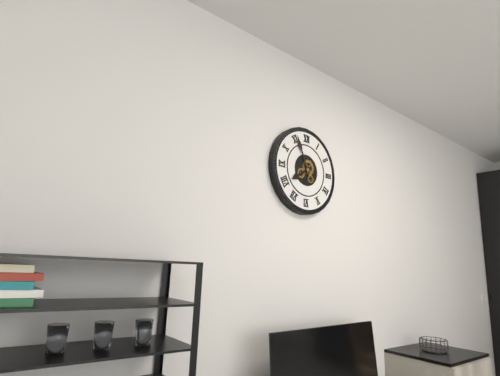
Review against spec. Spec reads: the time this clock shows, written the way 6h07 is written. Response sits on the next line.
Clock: 7h56
